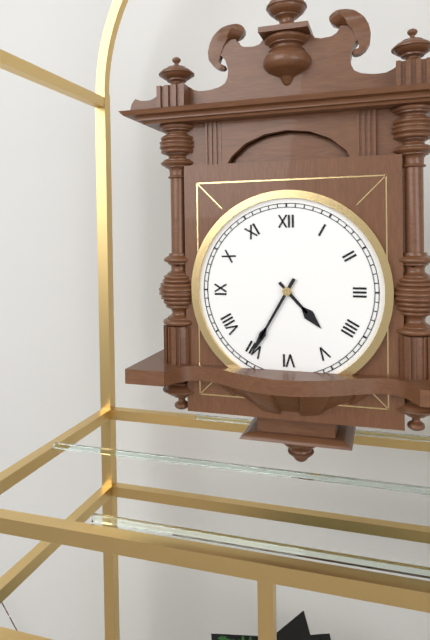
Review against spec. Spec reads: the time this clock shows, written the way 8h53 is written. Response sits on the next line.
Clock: 4h35
